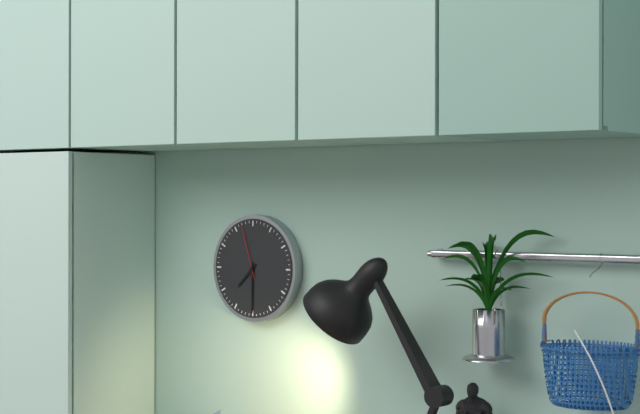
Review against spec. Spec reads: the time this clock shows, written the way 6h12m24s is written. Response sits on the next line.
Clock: 7h30m57s
